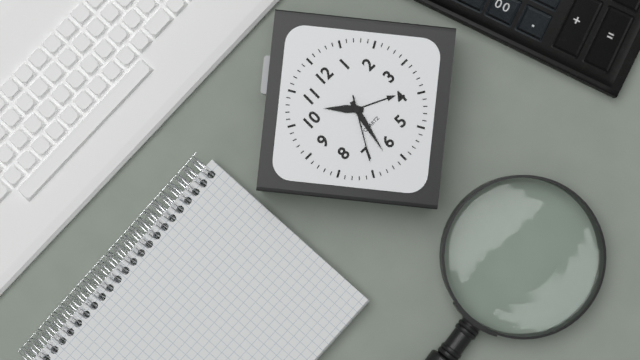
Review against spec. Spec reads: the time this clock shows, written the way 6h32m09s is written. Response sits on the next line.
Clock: 10h32m35s
